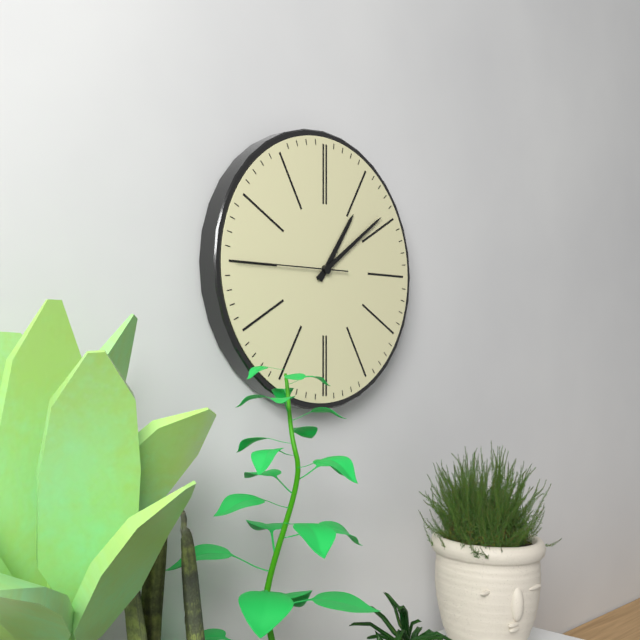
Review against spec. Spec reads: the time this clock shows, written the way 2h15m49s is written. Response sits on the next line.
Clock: 1h09m45s
